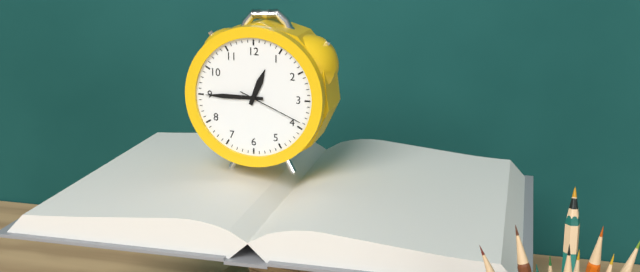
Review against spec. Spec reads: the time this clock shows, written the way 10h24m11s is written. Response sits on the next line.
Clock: 12h45m19s
